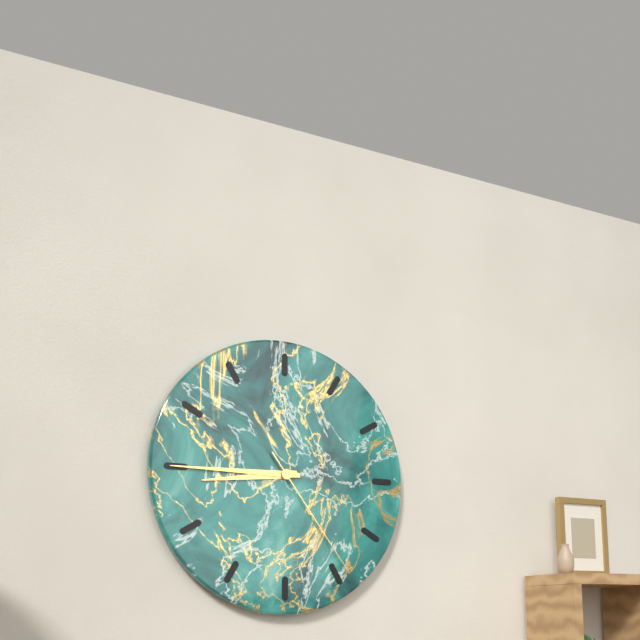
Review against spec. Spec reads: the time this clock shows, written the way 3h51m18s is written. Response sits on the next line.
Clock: 8h45m24s
